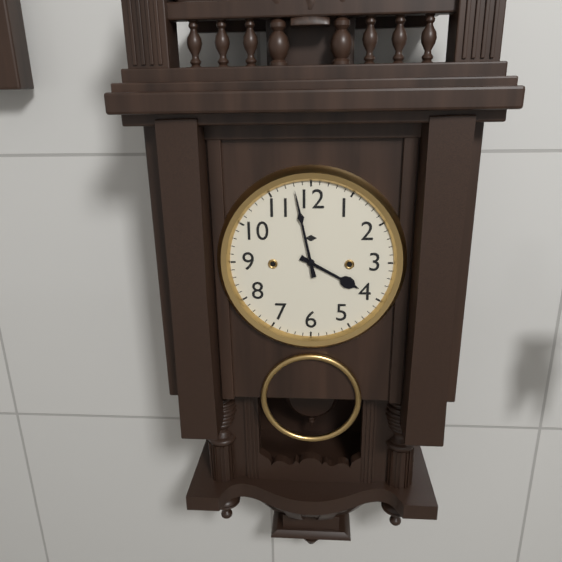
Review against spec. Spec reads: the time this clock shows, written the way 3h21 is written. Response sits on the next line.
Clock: 3h58
